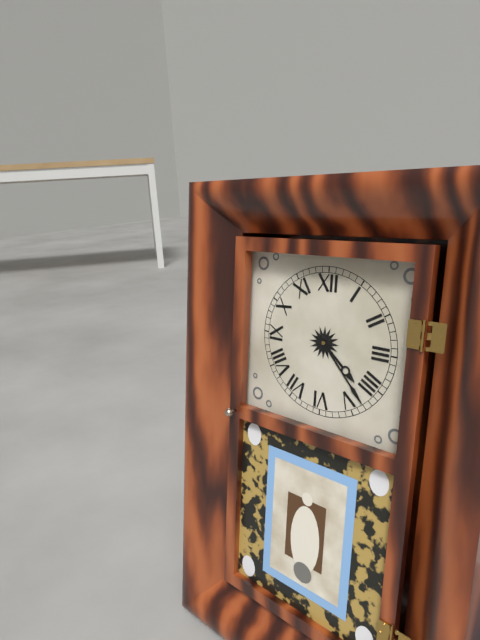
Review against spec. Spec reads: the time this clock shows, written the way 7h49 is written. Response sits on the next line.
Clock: 4h23
